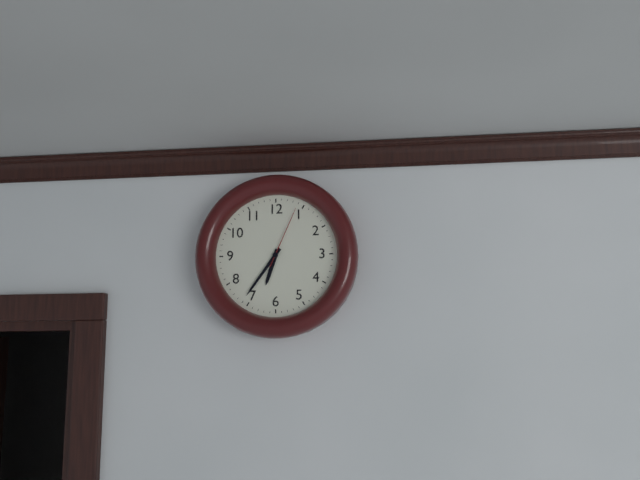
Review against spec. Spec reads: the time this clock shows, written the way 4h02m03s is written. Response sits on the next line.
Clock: 6h36m04s
